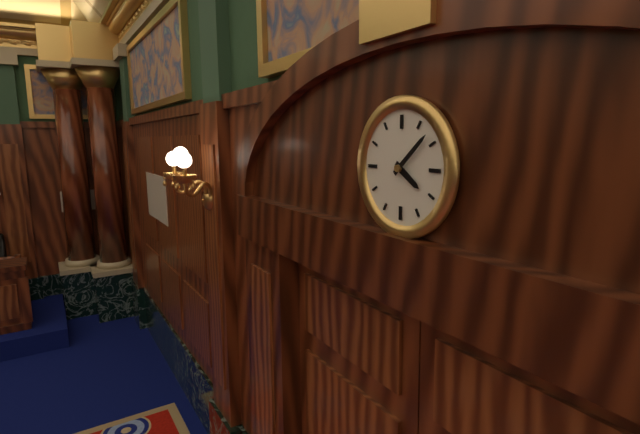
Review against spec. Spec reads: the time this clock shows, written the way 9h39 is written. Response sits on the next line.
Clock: 4h08
